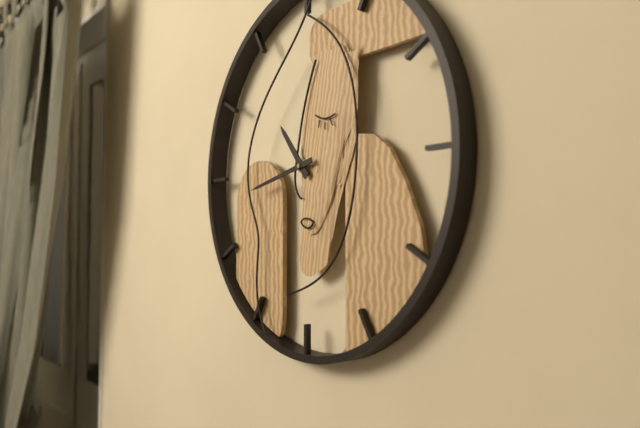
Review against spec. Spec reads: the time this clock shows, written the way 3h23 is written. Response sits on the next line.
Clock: 10h43
